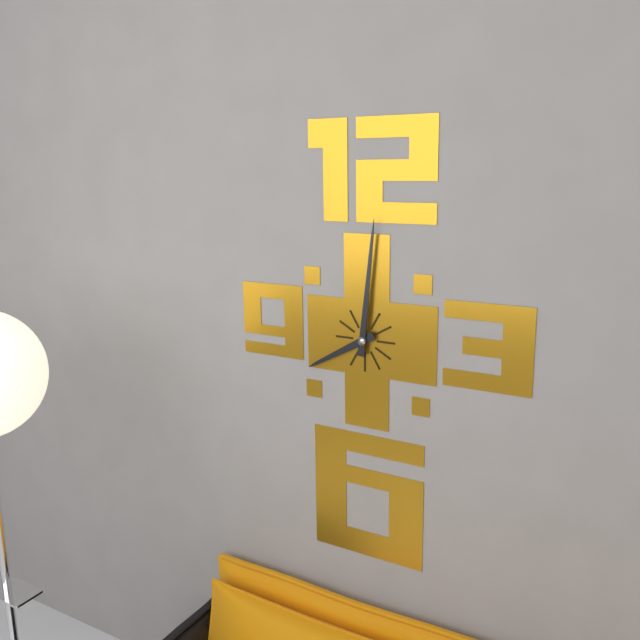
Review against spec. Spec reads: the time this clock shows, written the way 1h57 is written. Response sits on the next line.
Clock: 8h01
